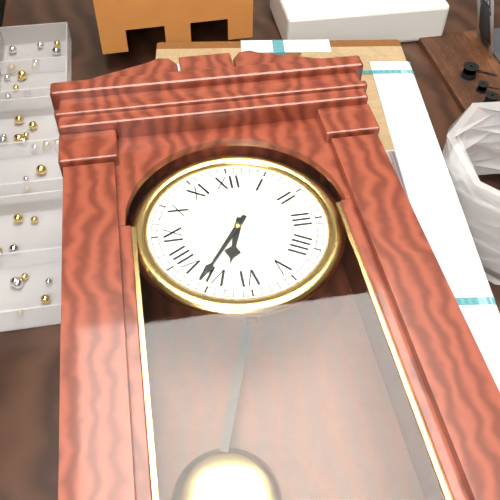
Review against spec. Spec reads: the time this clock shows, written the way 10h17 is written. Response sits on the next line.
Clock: 6h36
